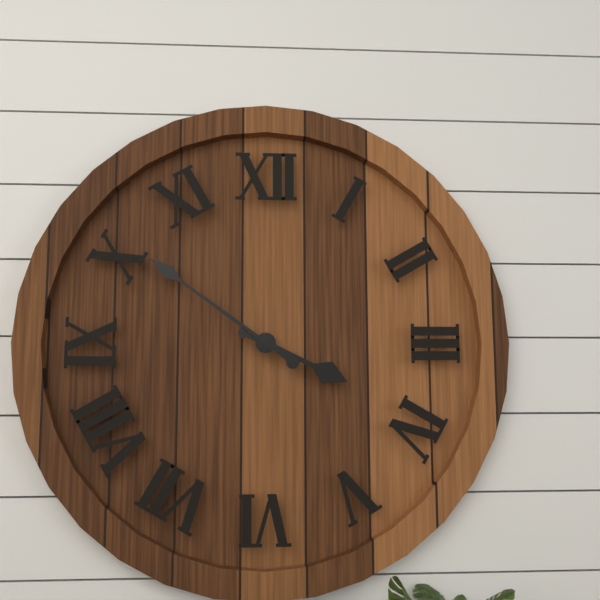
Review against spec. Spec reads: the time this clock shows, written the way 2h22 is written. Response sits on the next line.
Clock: 3h51
